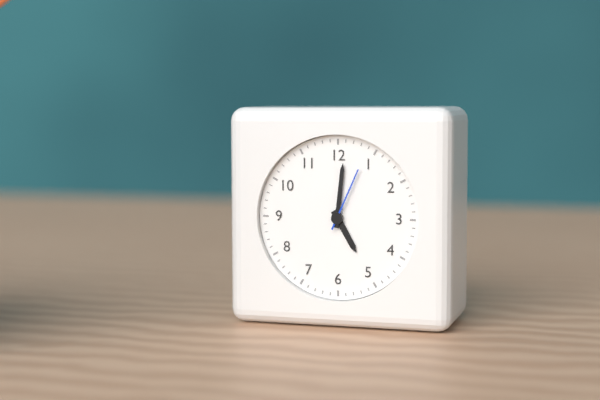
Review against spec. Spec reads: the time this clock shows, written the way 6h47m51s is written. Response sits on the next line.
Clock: 5h01m04s
